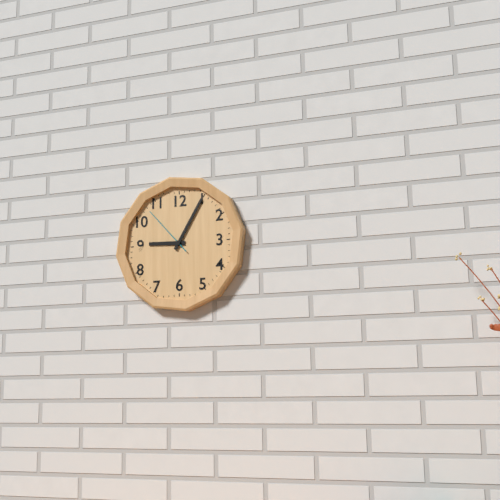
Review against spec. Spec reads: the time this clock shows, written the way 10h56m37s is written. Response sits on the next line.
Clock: 9h05m53s
